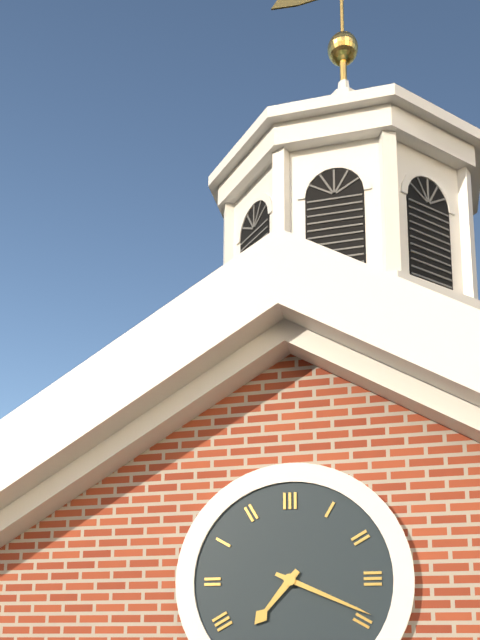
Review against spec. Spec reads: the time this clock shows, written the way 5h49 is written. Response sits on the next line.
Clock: 7h19
